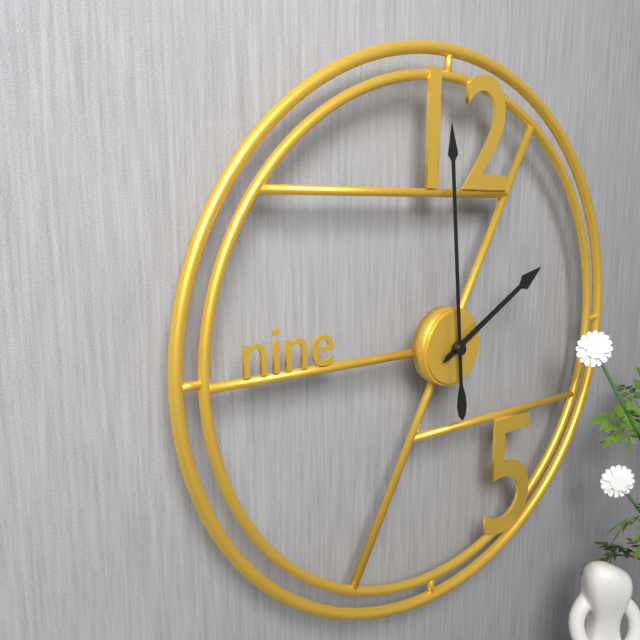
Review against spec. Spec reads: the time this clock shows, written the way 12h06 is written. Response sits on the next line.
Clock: 1h59
